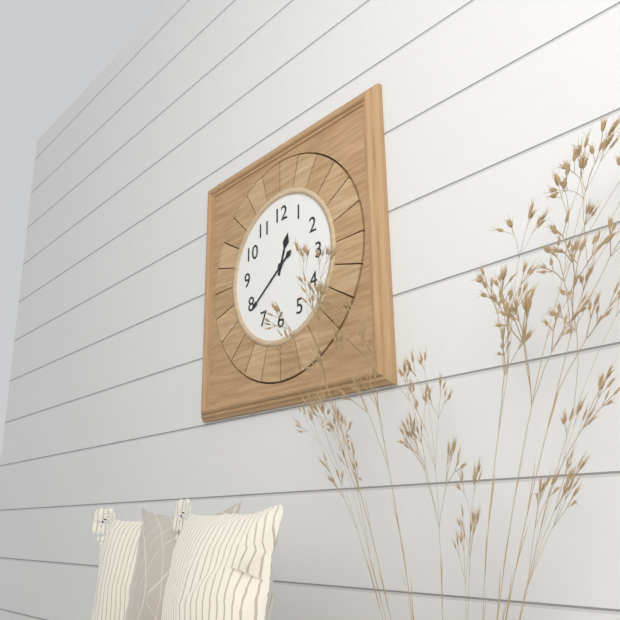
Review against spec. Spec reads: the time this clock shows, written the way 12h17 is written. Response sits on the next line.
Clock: 12h39
